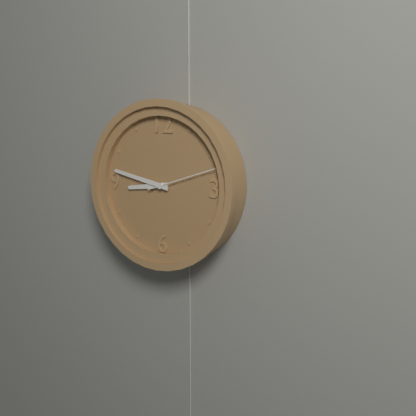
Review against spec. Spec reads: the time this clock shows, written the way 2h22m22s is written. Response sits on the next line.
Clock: 8h47m12s
